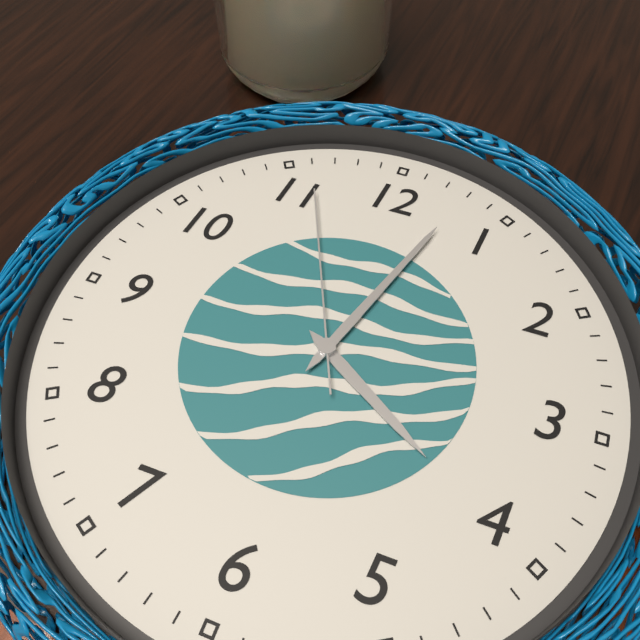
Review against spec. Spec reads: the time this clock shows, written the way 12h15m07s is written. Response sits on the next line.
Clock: 4h03m56s
